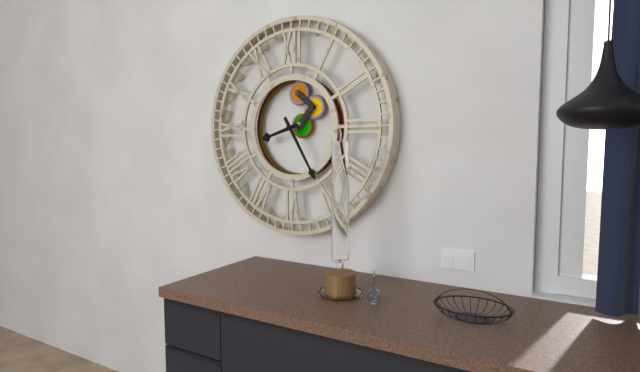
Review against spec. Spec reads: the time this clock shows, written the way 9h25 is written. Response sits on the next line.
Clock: 8h25
